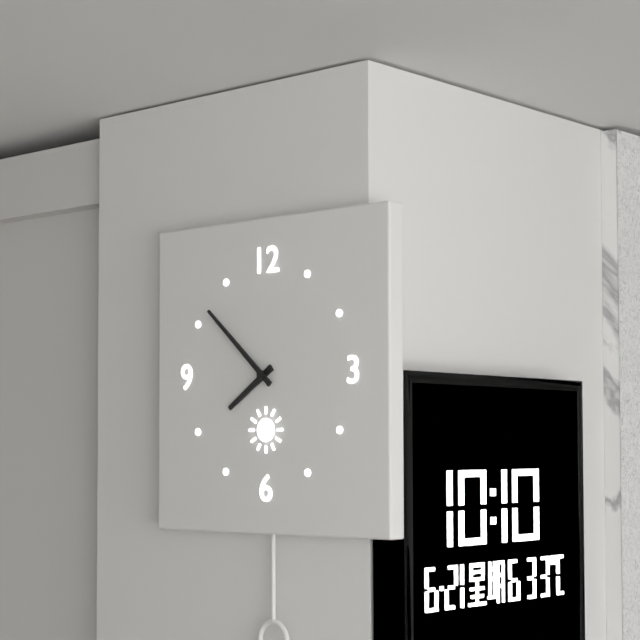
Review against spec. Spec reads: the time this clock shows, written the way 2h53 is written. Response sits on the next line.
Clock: 7h52
